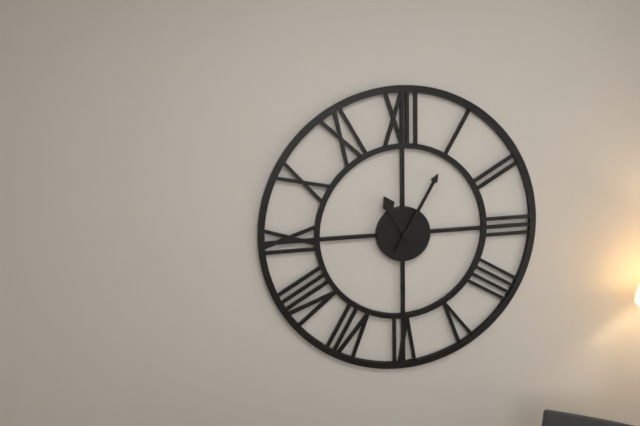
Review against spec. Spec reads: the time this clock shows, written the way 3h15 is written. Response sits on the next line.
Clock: 11h05
